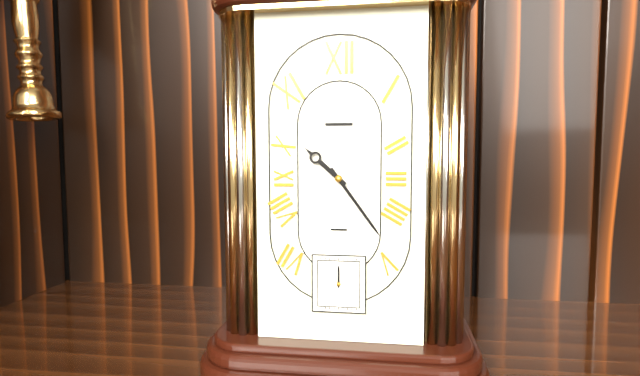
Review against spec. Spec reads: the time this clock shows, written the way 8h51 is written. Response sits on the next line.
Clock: 10h24
